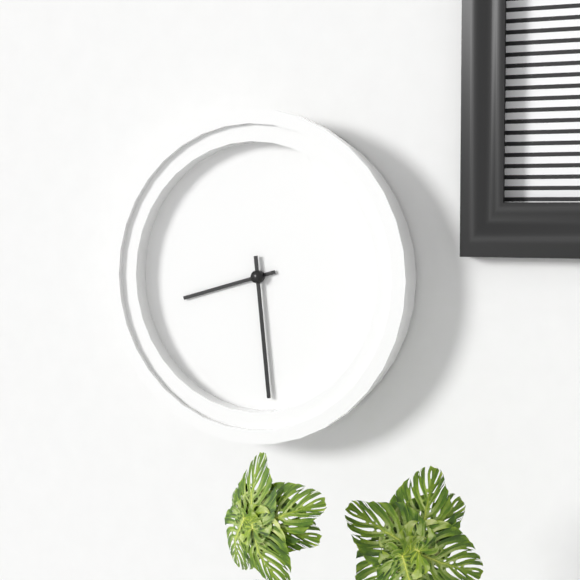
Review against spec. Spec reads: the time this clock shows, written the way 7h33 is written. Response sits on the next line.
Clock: 8h29
